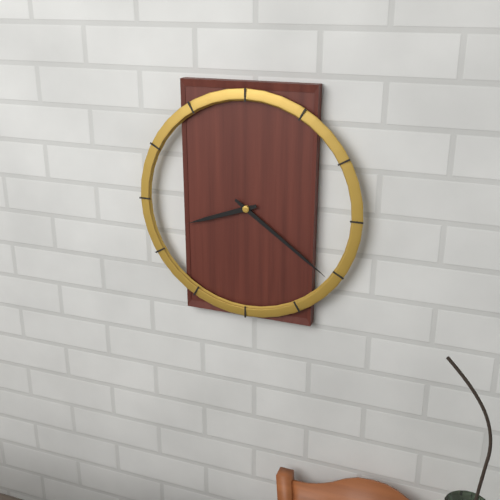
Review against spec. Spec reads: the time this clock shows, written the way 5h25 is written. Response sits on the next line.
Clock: 8h21
